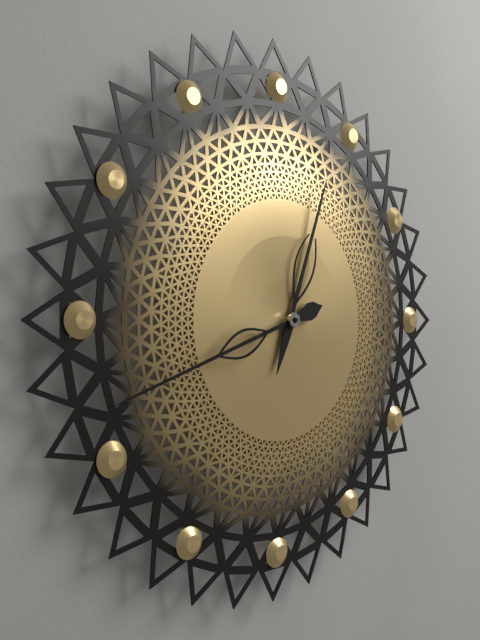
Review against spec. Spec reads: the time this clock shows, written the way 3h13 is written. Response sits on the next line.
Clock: 12h42
